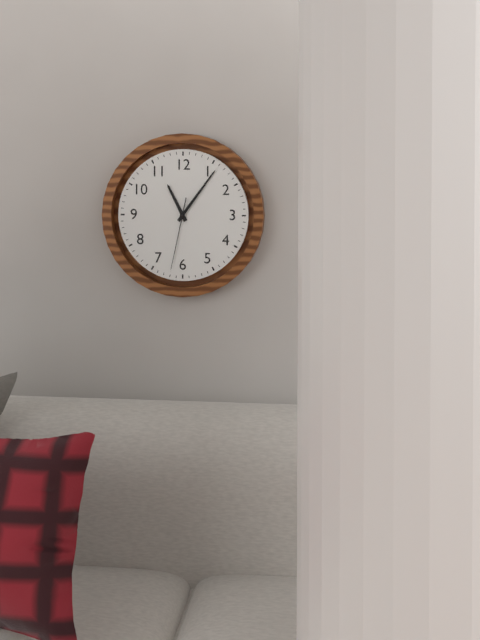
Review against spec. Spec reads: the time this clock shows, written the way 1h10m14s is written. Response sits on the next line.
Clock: 11h06m32s
